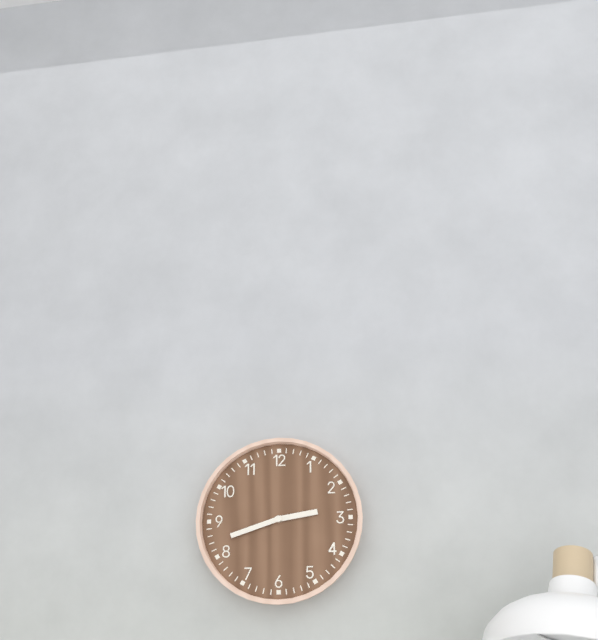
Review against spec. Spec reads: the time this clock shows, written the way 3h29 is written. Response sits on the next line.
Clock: 2h42
